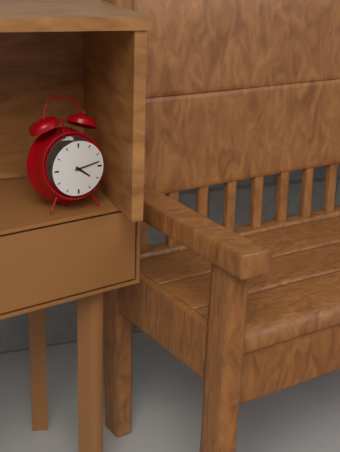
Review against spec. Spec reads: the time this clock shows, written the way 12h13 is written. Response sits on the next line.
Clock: 4h13
